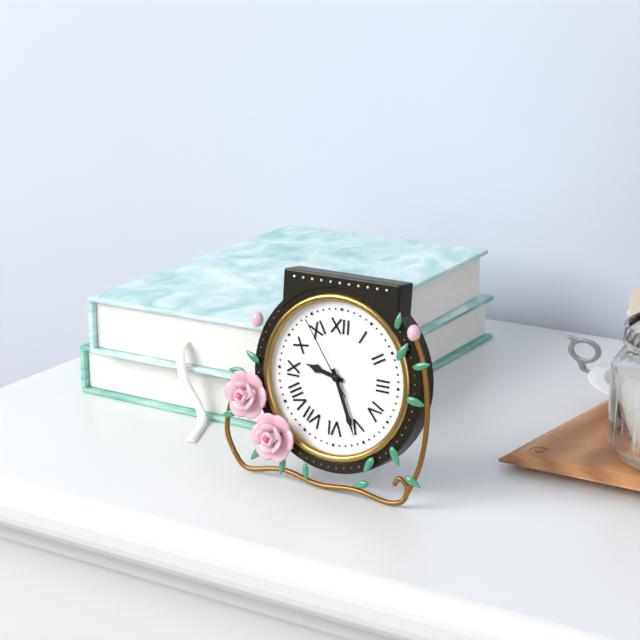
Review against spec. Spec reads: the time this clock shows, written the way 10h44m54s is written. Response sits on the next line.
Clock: 9h26m54s
